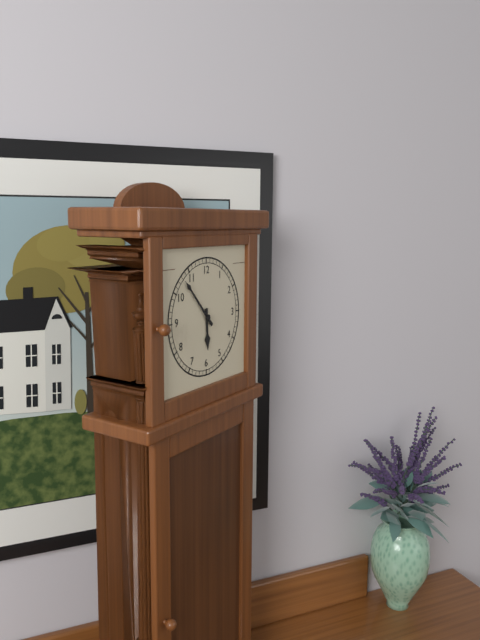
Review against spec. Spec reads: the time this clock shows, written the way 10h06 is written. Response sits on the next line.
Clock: 5h53
